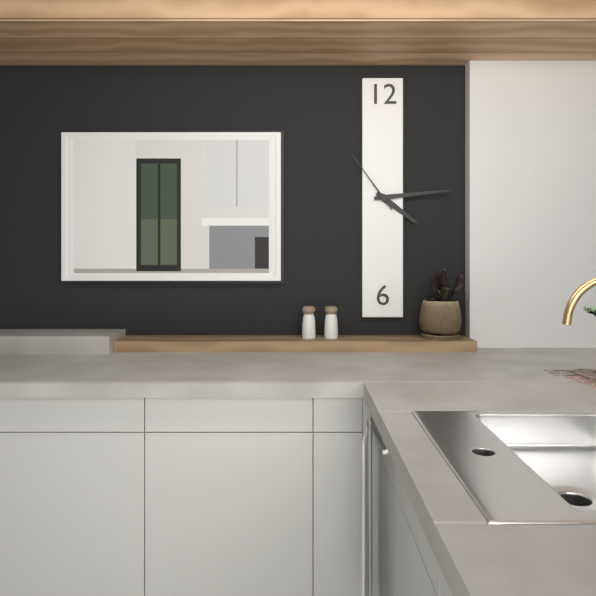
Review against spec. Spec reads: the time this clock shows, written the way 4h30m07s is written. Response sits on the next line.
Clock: 4h14m54s
